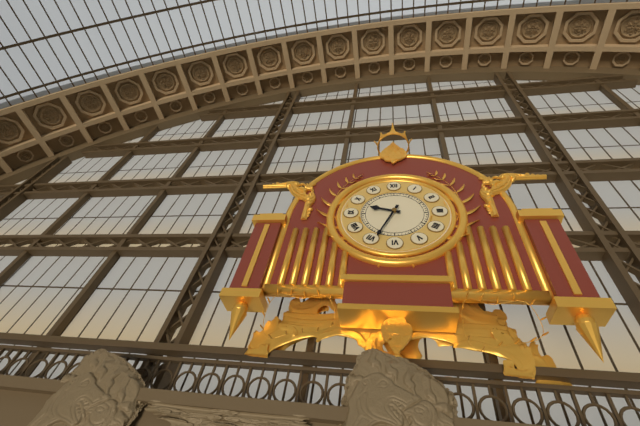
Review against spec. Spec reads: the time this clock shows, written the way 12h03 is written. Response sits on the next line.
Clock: 9h34
